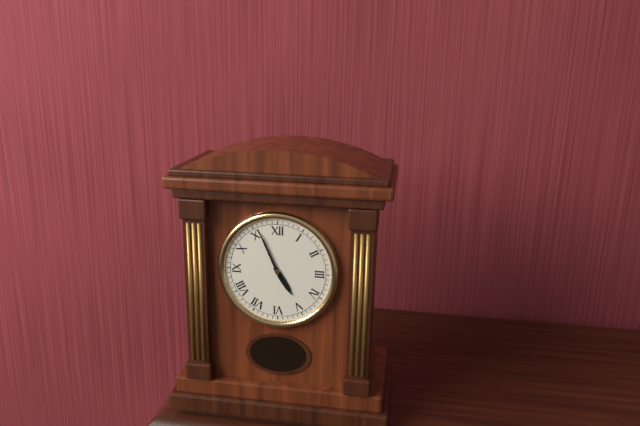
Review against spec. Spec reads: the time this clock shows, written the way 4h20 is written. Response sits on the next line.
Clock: 4h56
